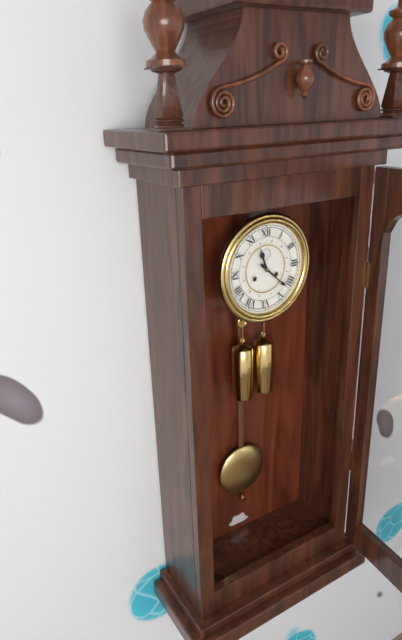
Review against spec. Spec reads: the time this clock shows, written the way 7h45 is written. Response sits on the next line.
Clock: 11h22
